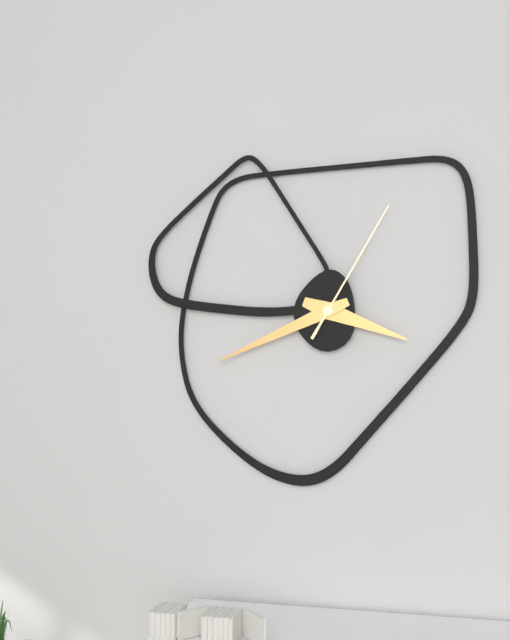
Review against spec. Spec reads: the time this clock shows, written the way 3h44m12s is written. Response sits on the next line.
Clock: 3h41m05s
